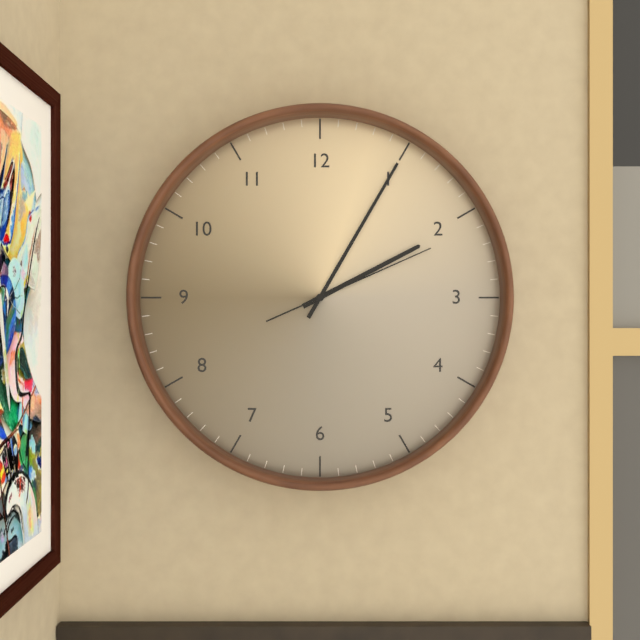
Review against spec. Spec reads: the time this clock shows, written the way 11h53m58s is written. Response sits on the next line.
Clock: 2h05m11s
